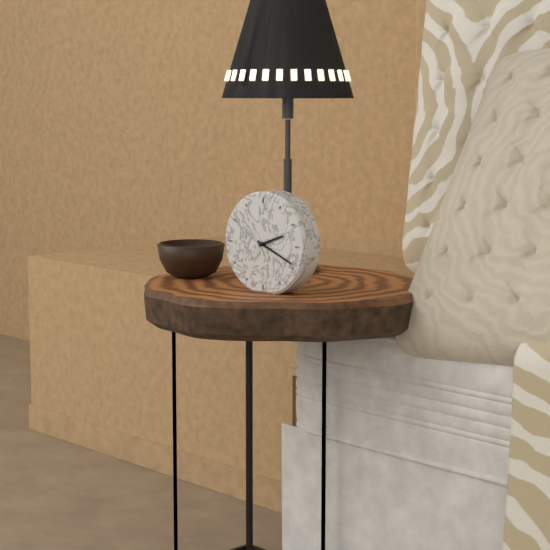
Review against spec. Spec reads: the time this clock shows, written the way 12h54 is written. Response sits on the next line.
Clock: 2h19
